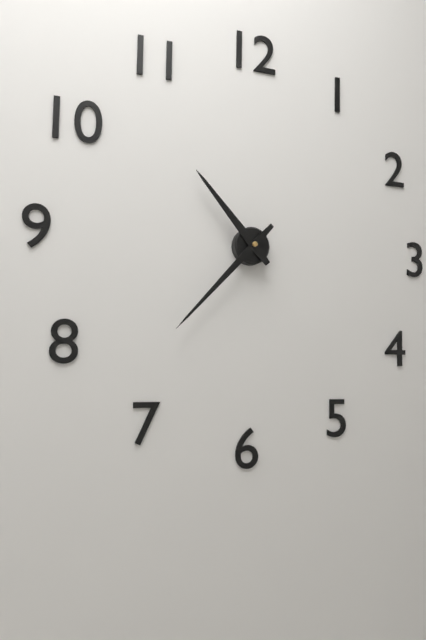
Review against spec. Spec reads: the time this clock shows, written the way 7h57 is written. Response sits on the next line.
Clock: 10h37
